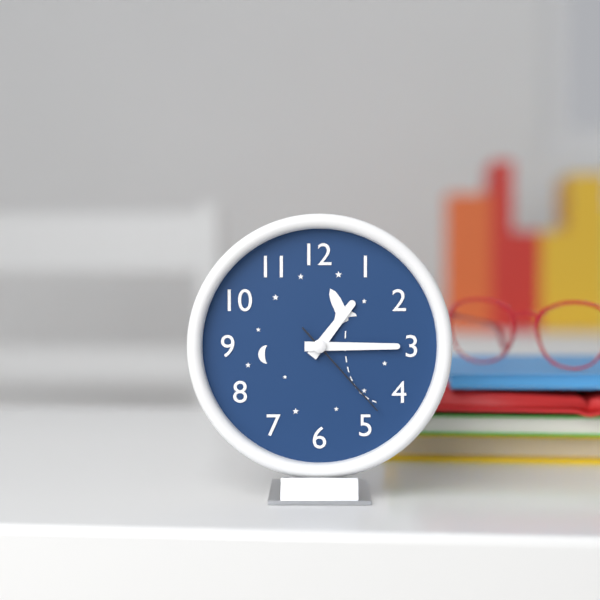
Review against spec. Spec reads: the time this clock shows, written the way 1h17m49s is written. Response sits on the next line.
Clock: 1h15m23s
